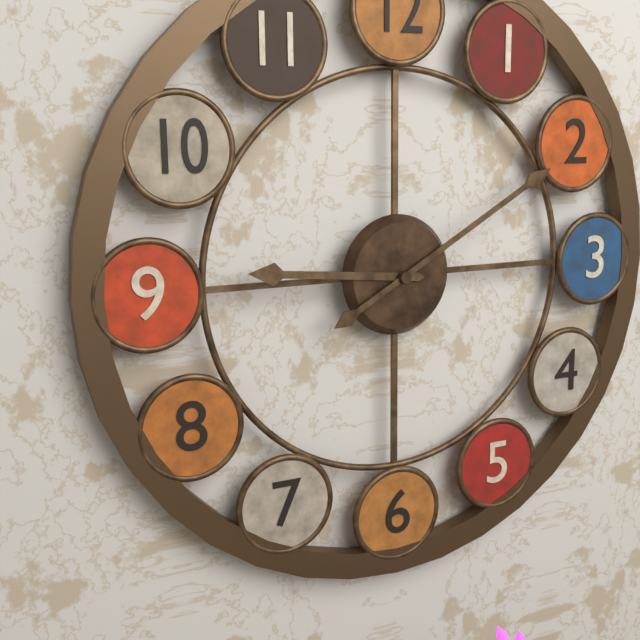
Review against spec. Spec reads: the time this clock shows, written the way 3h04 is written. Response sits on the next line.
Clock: 9h10
